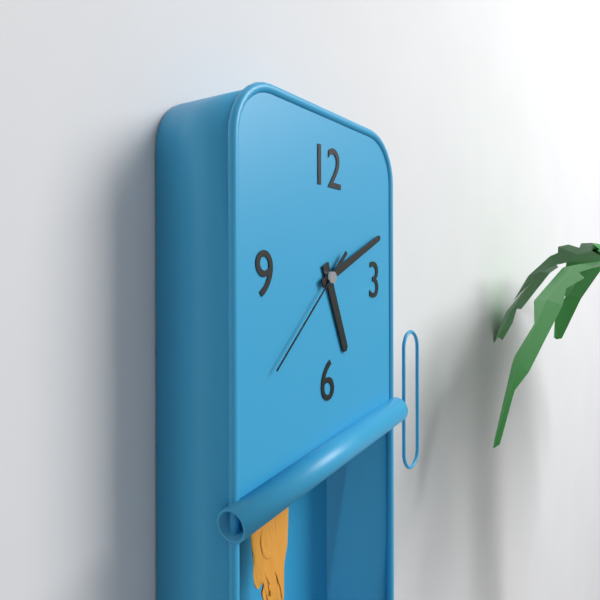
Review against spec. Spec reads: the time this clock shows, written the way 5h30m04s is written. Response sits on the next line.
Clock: 5h11m38s
